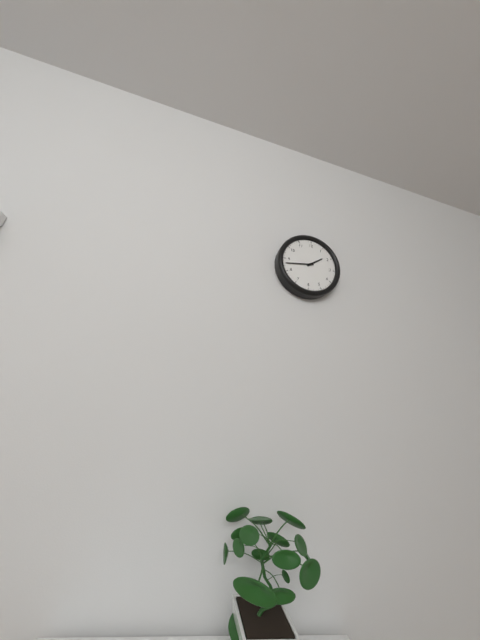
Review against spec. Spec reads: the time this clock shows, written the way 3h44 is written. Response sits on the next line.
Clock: 1h43
